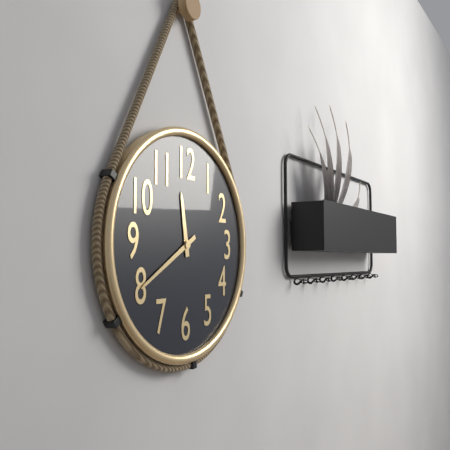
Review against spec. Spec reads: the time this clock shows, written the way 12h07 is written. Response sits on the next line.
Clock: 11h40
